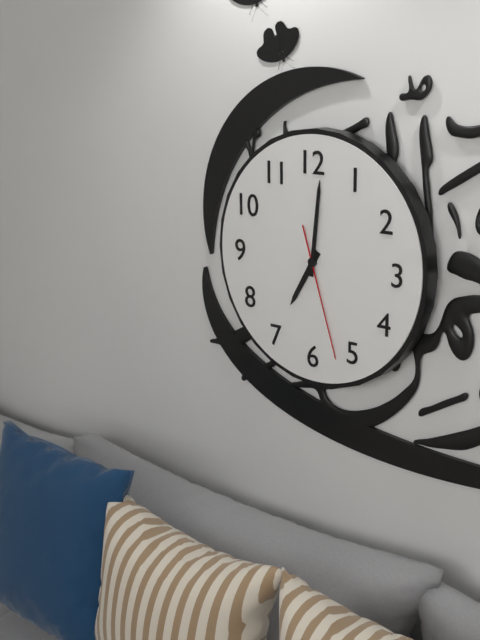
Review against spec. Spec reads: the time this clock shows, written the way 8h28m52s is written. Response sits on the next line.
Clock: 7h01m27s
